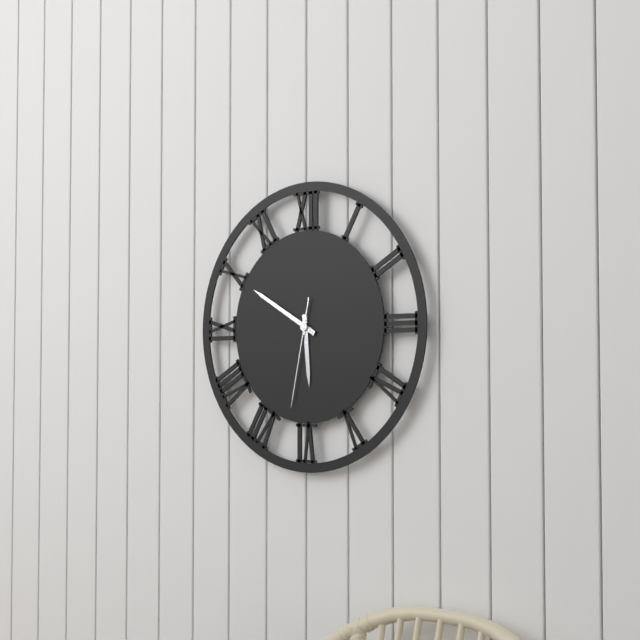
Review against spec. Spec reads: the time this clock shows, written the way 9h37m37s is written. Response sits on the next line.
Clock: 5h50m32s
